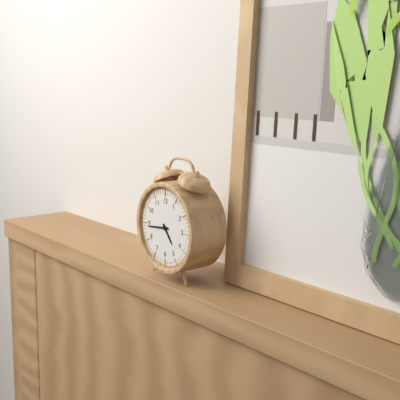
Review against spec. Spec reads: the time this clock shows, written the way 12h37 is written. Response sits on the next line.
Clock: 4h44
